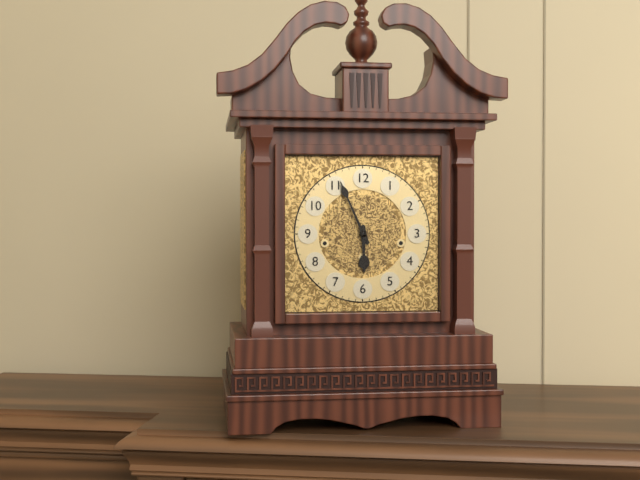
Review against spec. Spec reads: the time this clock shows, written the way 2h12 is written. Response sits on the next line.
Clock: 5h56
